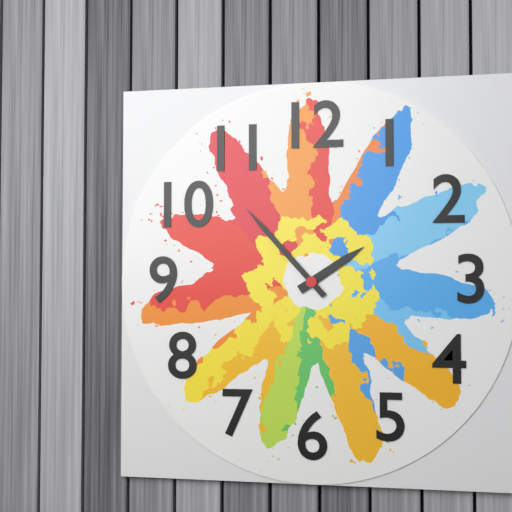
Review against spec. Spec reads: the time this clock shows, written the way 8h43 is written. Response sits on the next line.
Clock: 1h53
